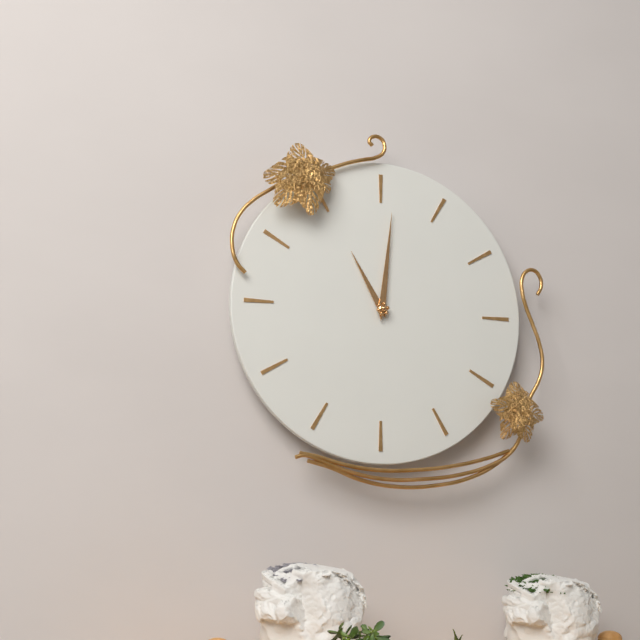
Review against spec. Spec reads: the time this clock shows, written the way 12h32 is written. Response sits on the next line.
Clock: 11h01
